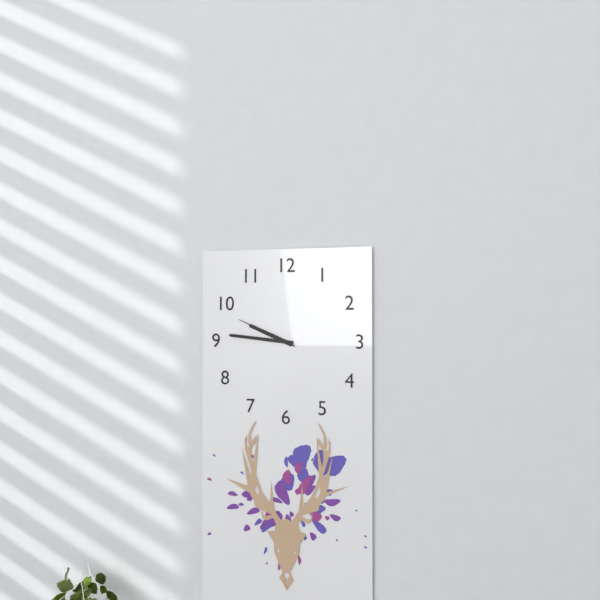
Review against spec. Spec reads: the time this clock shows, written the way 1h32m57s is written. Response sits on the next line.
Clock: 9h46m49s
